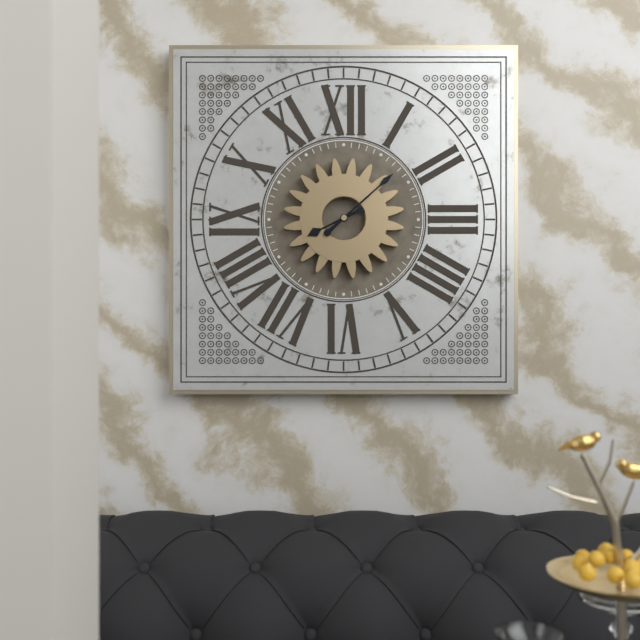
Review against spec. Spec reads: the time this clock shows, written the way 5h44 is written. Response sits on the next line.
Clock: 8h08
